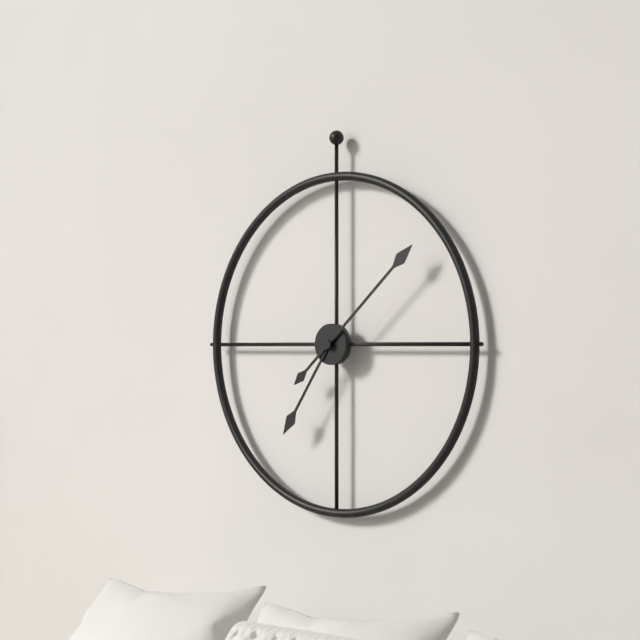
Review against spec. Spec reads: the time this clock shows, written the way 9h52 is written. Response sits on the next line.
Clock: 7h08
